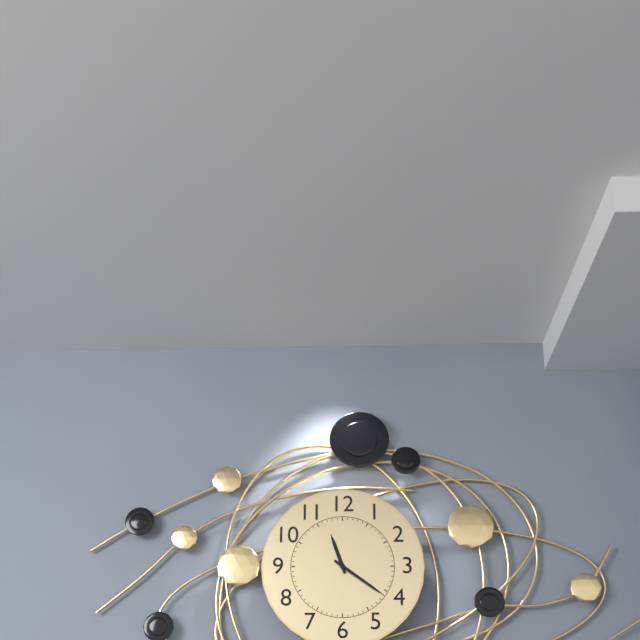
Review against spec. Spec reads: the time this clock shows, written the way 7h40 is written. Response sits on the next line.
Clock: 11h21
